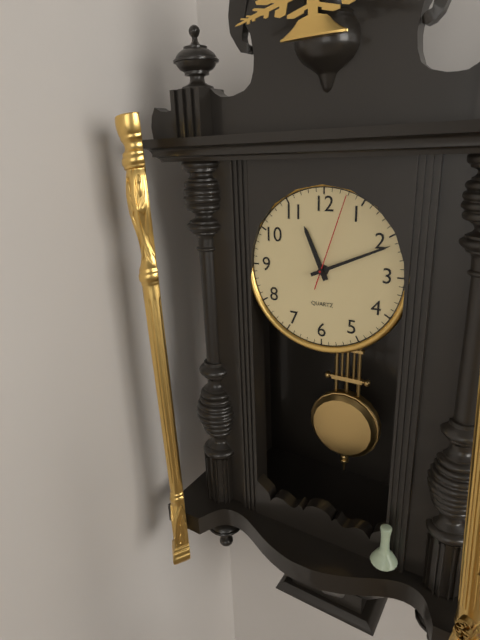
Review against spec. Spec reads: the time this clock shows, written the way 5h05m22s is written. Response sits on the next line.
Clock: 11h11m03s
